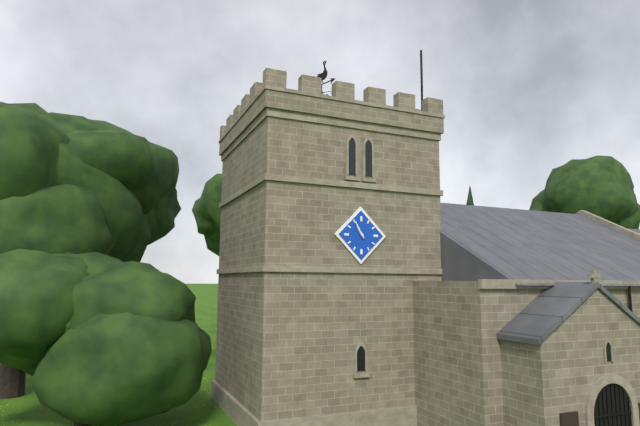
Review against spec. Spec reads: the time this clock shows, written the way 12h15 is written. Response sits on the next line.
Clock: 10h55
